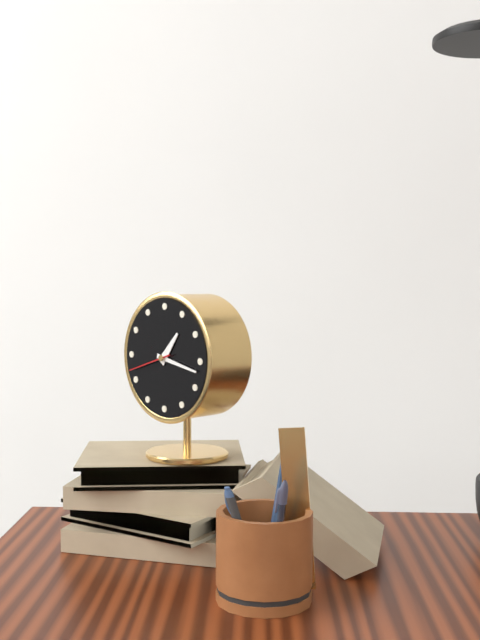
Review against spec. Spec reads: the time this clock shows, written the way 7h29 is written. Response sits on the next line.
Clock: 1h17
